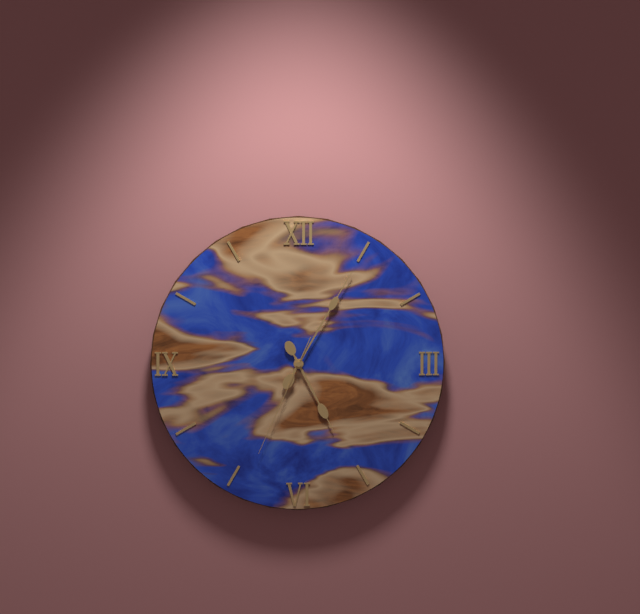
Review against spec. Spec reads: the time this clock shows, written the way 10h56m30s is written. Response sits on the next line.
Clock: 5h05m34s
